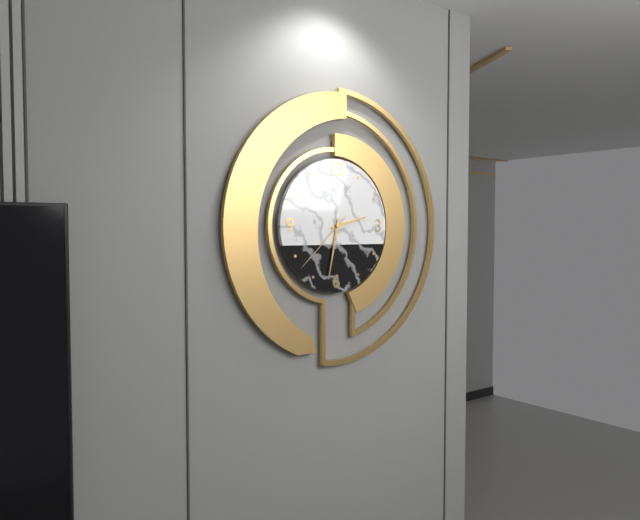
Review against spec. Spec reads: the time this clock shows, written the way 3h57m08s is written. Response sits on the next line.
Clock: 2h32m38s
